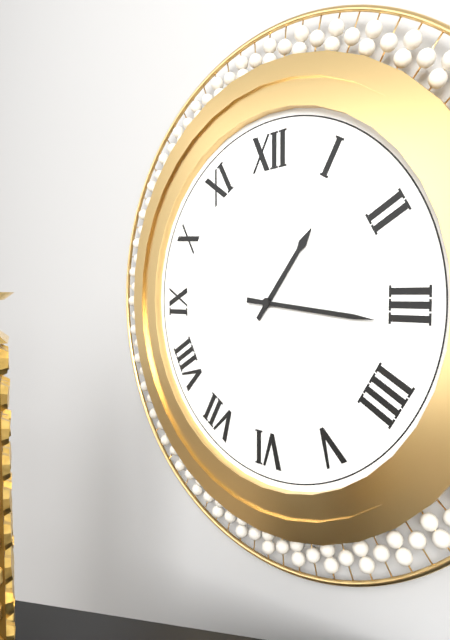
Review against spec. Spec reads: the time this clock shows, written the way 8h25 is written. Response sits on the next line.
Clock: 1h16
